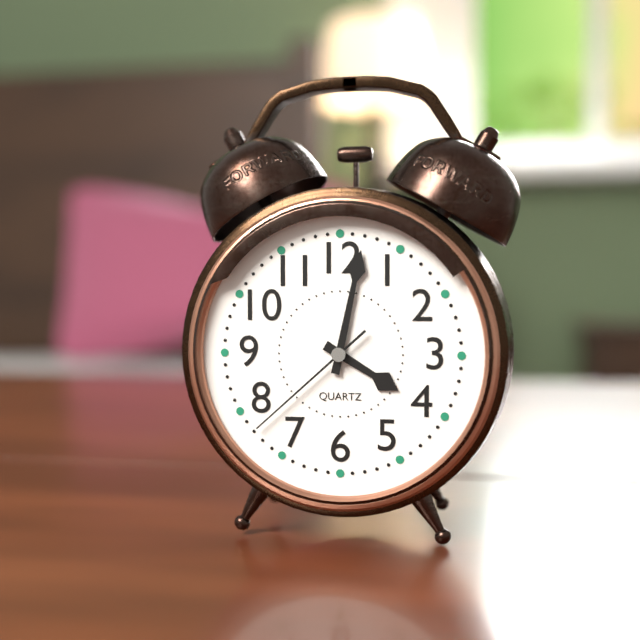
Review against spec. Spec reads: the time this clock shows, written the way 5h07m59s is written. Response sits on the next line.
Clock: 4h02m38s
